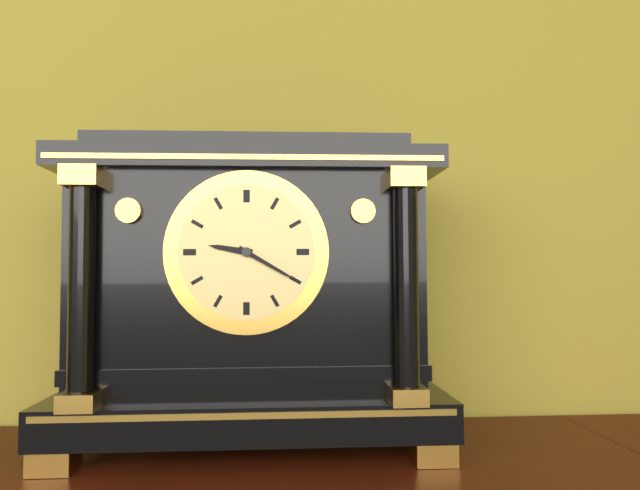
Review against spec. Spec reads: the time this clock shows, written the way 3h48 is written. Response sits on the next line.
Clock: 9h20
